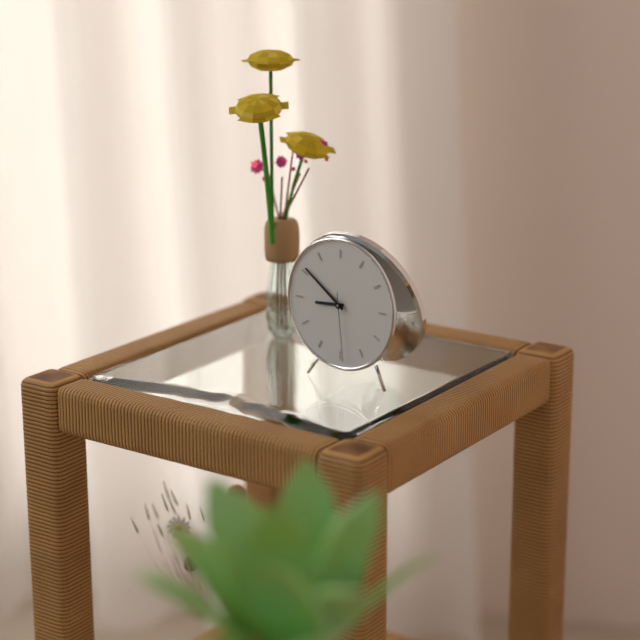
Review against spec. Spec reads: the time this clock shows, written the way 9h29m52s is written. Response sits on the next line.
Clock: 8h51m29s
